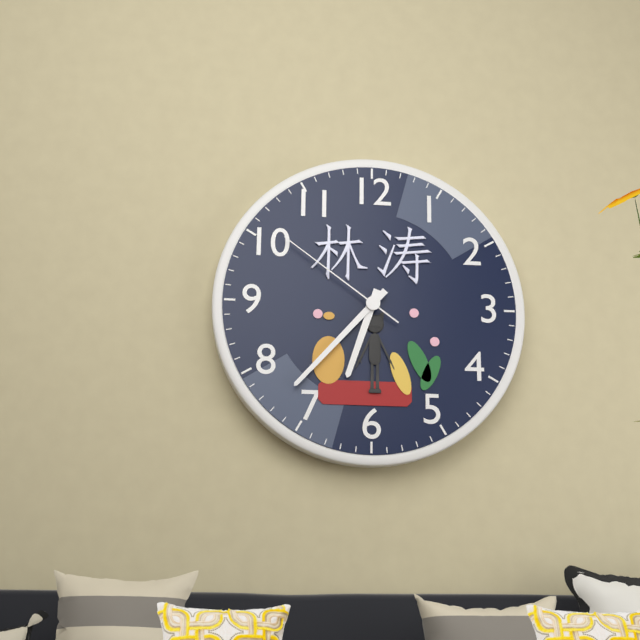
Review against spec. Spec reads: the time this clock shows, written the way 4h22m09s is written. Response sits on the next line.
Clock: 6h37m51s
